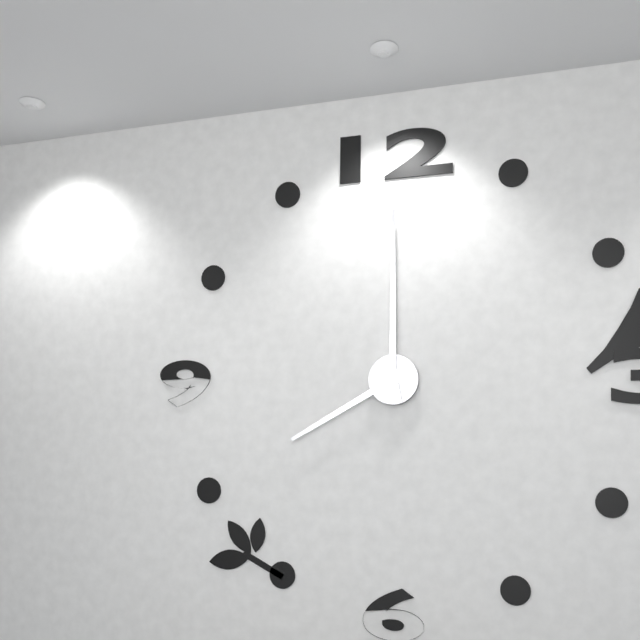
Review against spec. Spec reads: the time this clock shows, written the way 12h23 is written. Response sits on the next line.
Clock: 8h00
